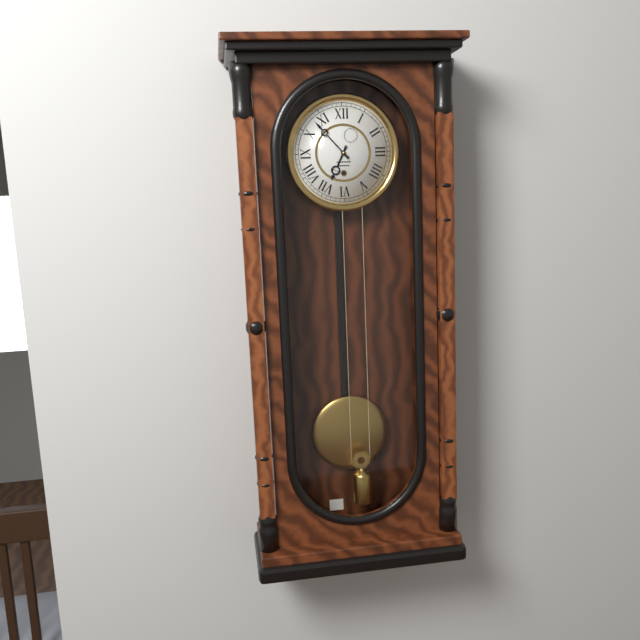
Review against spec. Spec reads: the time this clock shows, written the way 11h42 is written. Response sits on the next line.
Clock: 6h53
